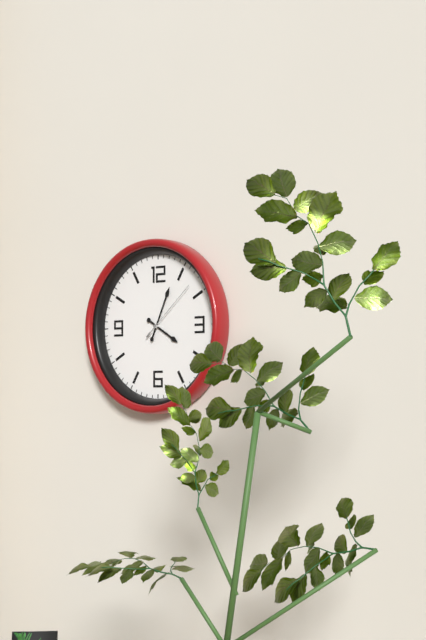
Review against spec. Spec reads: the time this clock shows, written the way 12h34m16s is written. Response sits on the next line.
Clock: 4h04m08s
